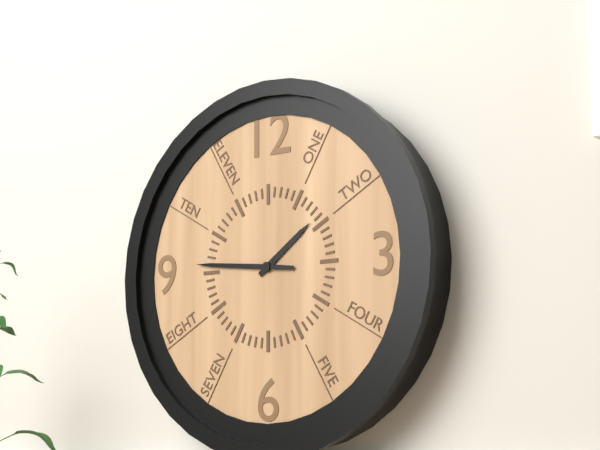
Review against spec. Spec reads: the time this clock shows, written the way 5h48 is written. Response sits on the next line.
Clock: 1h46
